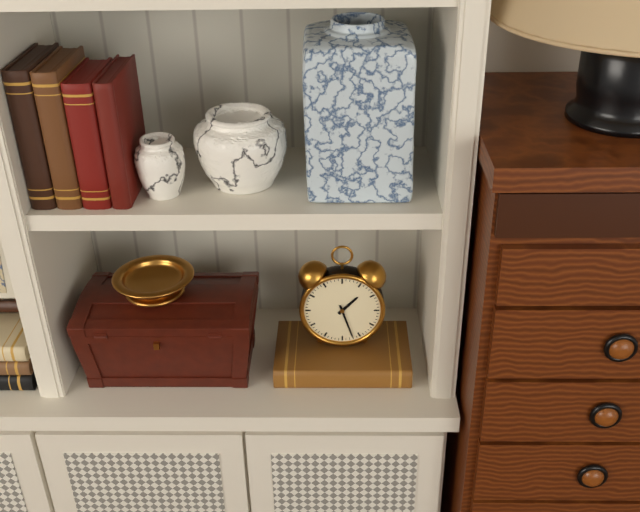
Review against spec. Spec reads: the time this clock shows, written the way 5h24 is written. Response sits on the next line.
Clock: 1h27
